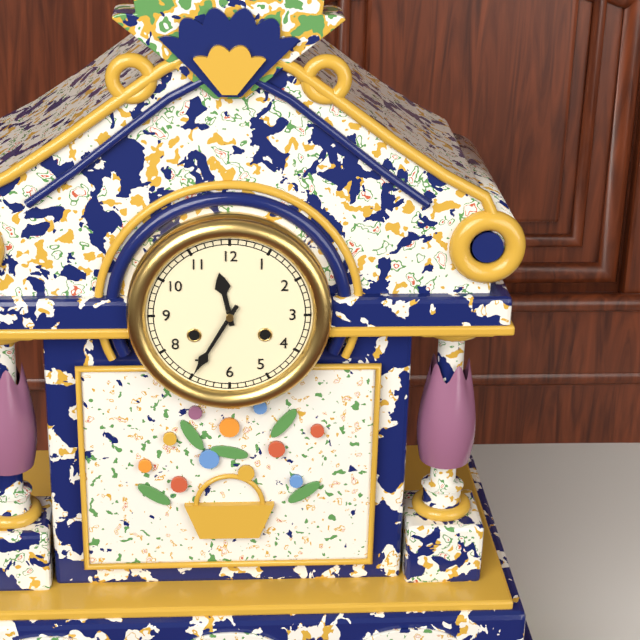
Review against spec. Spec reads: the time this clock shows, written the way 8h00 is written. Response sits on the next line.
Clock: 11h35
